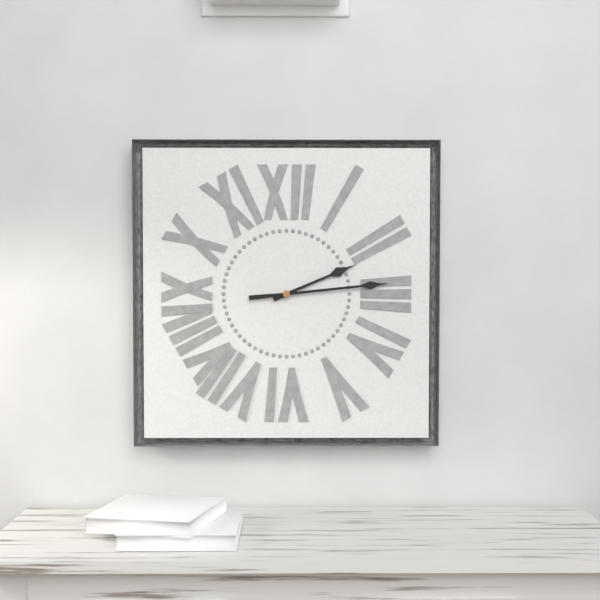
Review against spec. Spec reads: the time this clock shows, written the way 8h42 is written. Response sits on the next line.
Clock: 2h14
